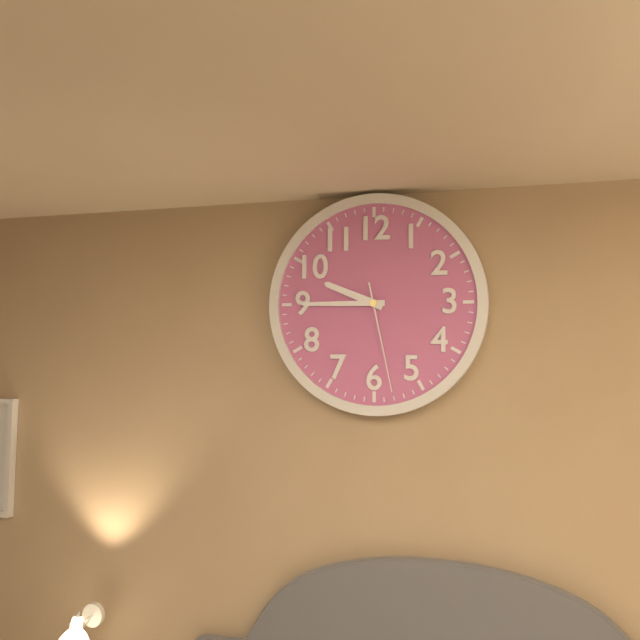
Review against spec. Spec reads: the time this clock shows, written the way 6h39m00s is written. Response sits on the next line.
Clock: 9h45m28s
